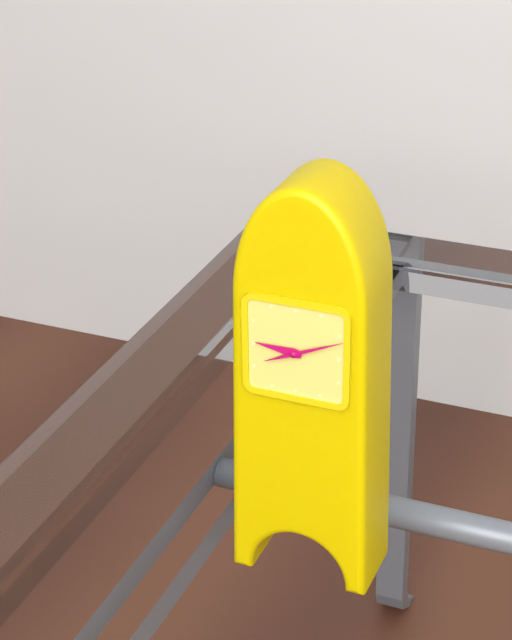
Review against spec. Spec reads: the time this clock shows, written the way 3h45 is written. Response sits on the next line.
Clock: 9h11
